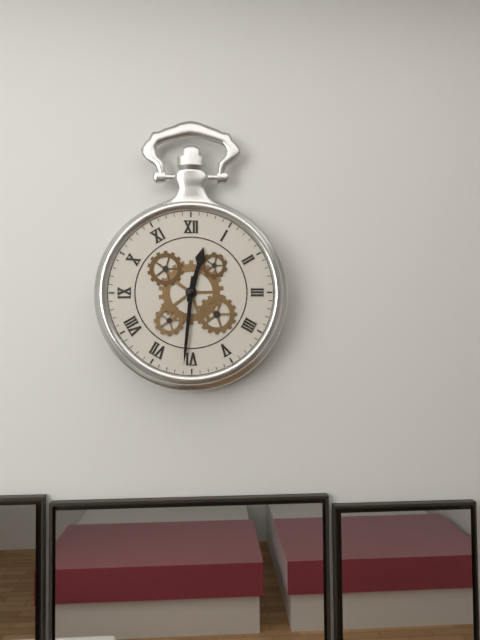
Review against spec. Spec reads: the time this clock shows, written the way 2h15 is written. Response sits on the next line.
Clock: 12h31
